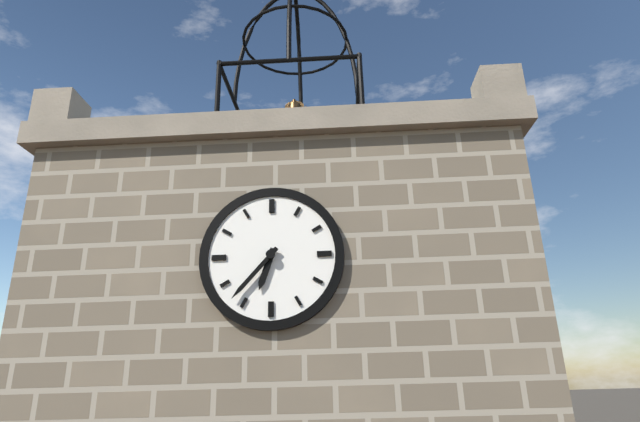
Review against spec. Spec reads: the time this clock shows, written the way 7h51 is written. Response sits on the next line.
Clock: 6h37
